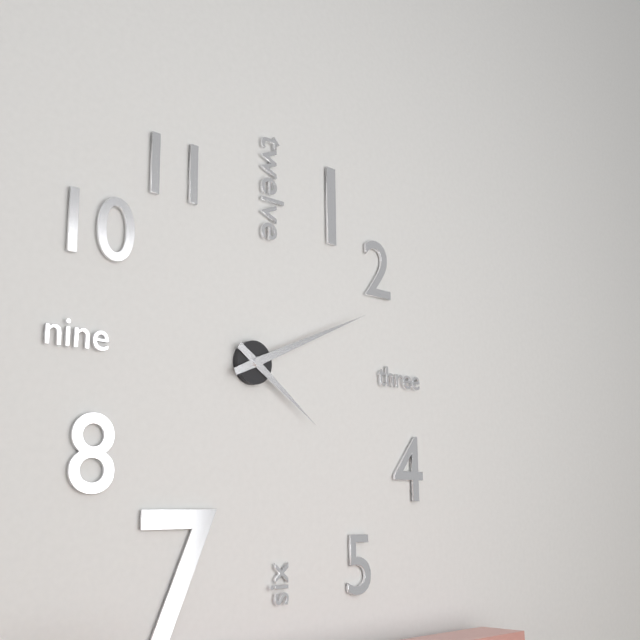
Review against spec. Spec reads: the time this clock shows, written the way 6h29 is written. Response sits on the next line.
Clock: 4h11
